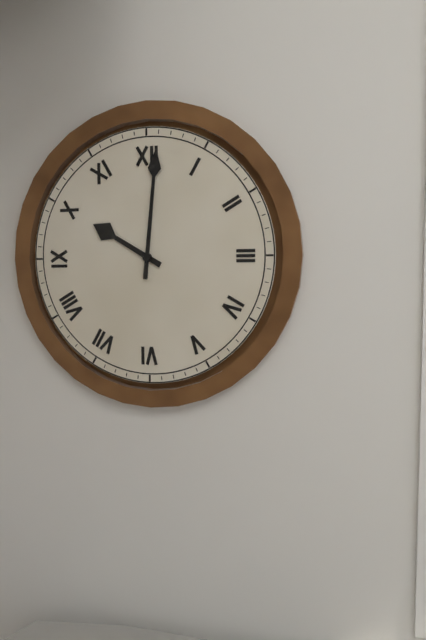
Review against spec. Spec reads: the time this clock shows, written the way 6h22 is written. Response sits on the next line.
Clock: 10h01
